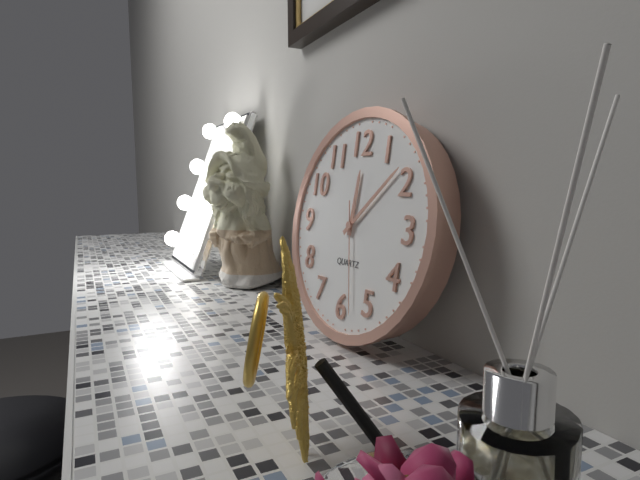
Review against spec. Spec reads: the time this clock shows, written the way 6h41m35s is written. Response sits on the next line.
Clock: 12h08m28s
